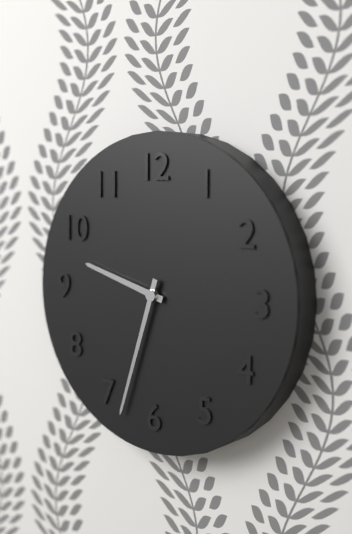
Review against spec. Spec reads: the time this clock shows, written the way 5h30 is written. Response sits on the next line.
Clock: 9h33
